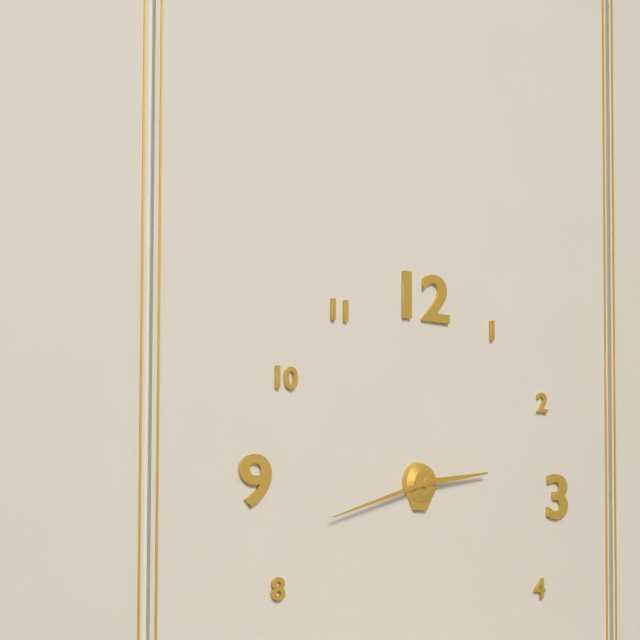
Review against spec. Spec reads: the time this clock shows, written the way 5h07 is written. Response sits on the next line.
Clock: 2h42
